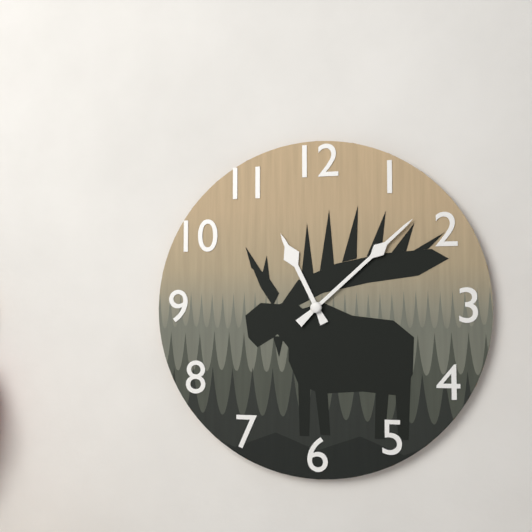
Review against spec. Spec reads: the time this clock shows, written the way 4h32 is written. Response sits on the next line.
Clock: 11h08
